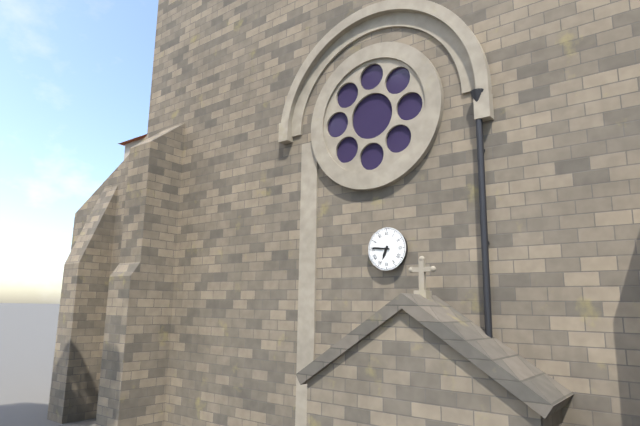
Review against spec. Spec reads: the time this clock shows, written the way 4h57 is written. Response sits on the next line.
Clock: 6h46
